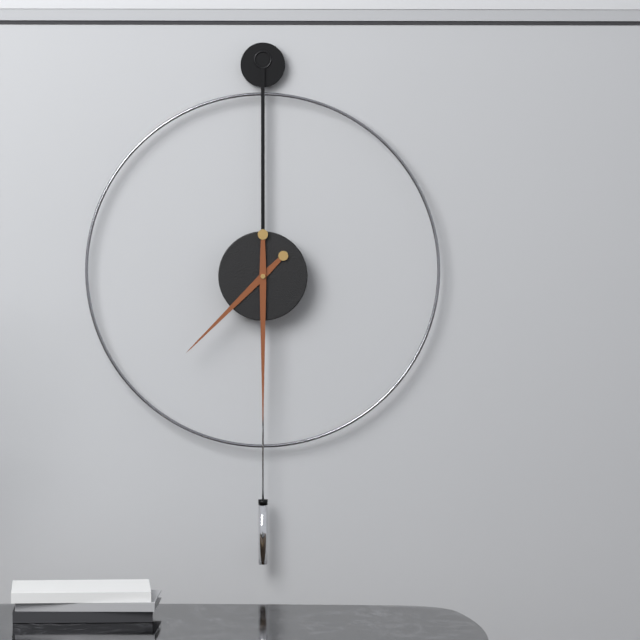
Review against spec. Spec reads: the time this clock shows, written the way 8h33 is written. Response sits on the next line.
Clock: 7h30
